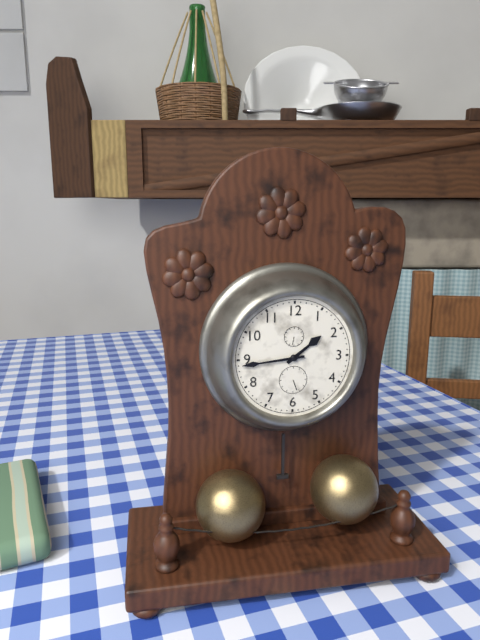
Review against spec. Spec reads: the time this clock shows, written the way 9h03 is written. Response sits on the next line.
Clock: 1h44
